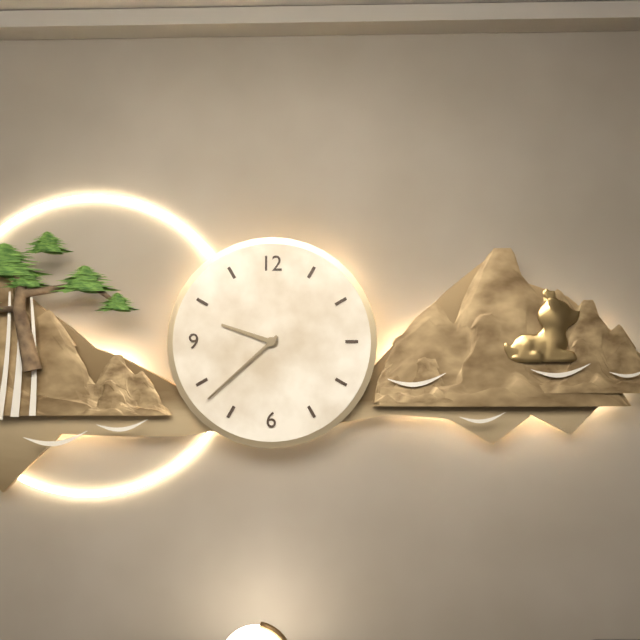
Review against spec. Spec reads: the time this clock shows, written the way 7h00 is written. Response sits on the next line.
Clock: 9h38
